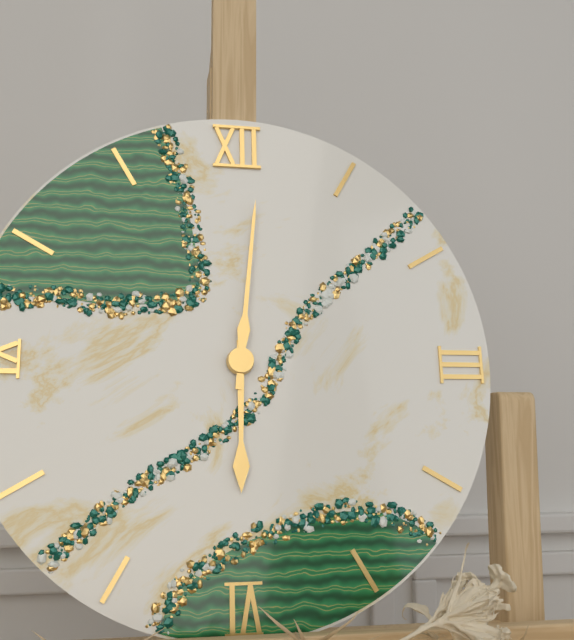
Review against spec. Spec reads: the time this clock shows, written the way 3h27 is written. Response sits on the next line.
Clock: 6h01
